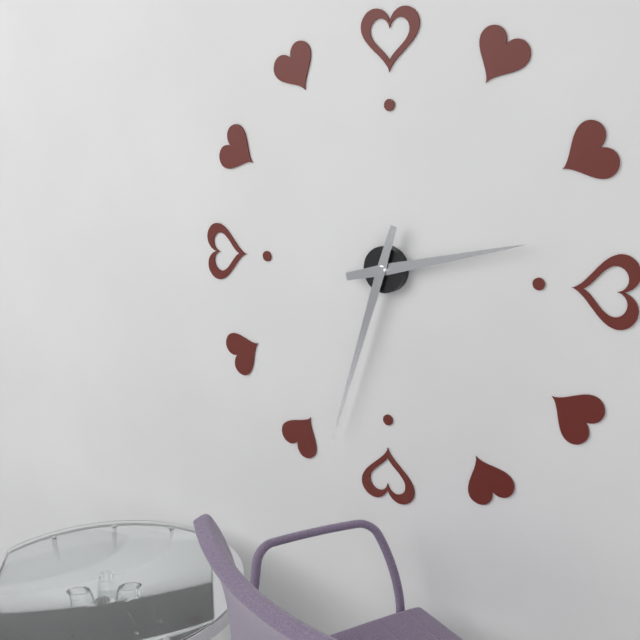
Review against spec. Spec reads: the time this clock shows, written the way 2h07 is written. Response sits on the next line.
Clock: 2h33
